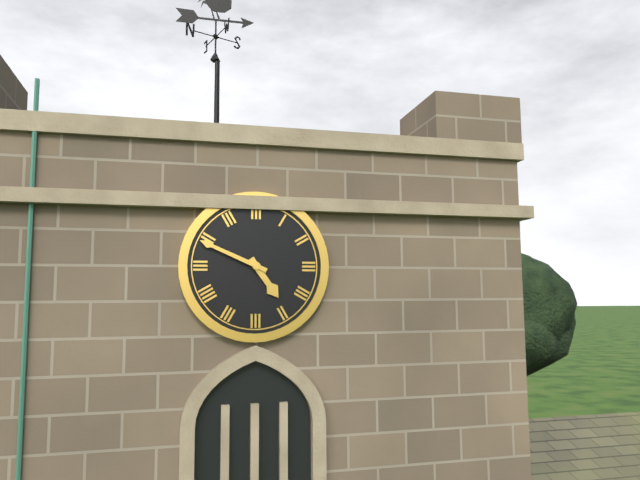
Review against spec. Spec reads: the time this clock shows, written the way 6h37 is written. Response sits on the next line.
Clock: 4h49
